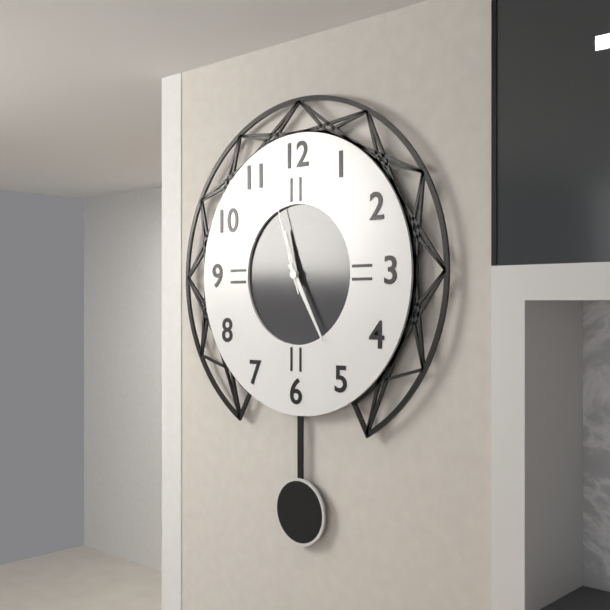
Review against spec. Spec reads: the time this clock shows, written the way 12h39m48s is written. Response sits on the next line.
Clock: 11h25m57s
